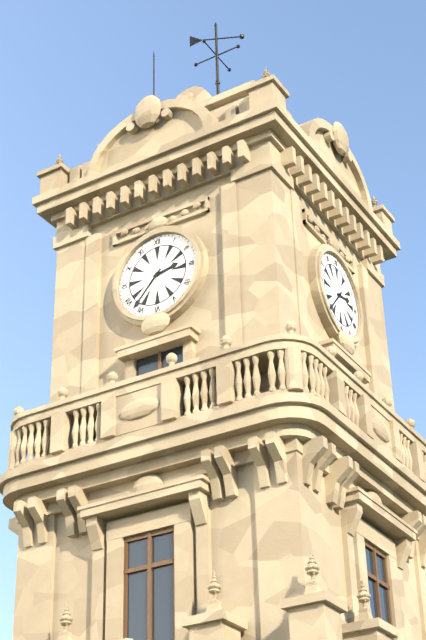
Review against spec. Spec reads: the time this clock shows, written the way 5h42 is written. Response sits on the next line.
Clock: 2h37
